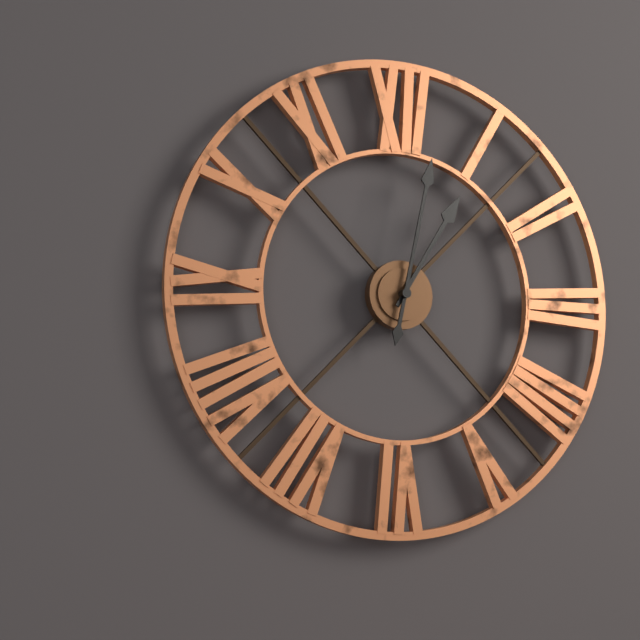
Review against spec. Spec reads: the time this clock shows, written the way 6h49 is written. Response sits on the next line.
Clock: 1h02
